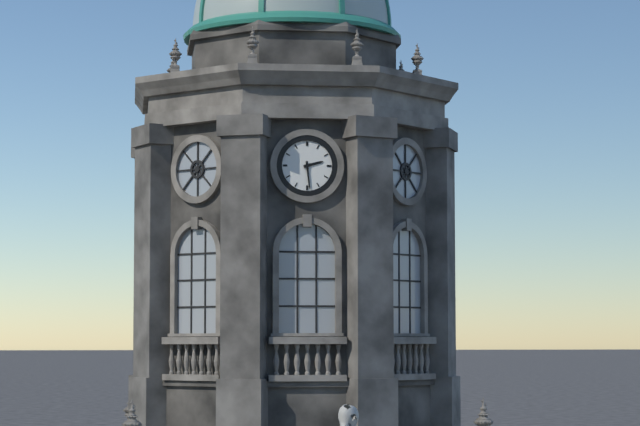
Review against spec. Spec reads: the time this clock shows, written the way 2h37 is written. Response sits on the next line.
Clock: 2h29
